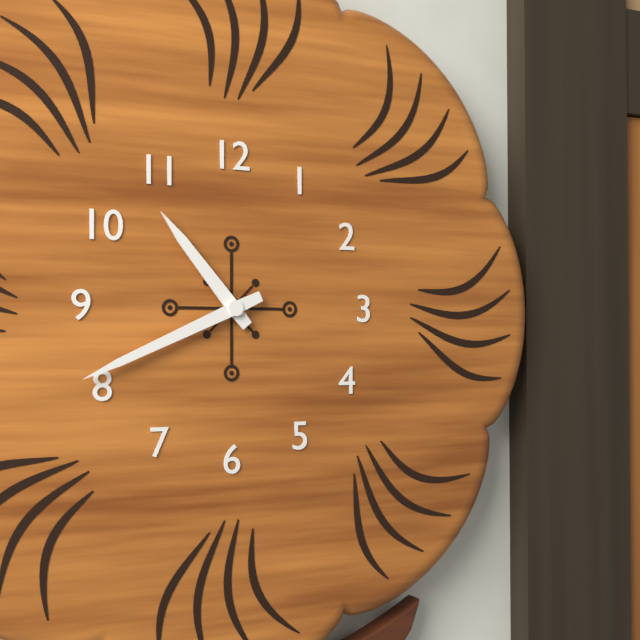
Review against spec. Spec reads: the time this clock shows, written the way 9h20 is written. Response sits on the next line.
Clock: 10h41
